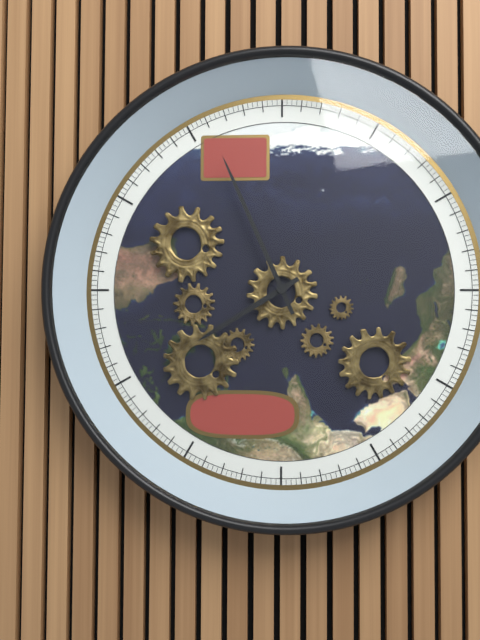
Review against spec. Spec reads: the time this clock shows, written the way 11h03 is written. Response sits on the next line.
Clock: 7h56
